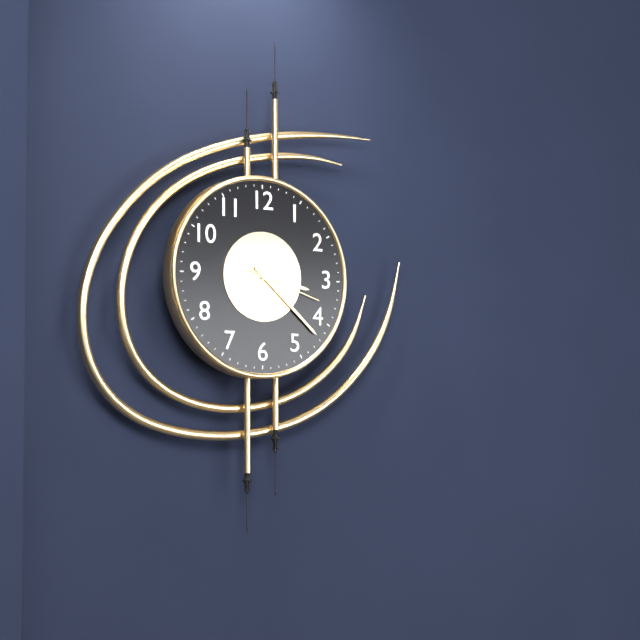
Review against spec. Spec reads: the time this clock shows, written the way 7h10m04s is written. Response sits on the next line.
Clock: 3h22m18s
